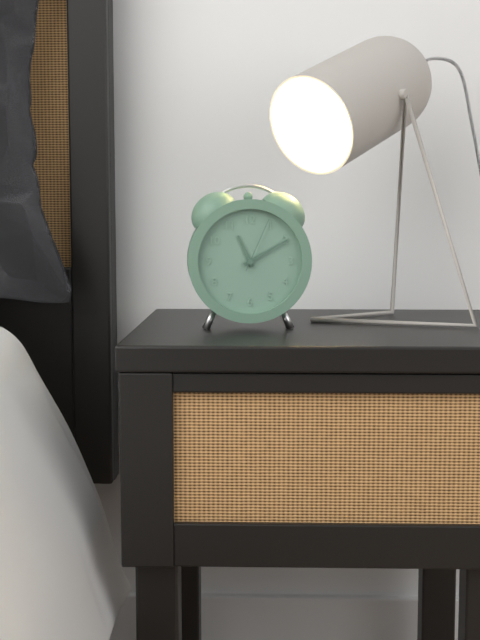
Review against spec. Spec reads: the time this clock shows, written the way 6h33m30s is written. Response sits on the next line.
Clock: 11h10m04s
